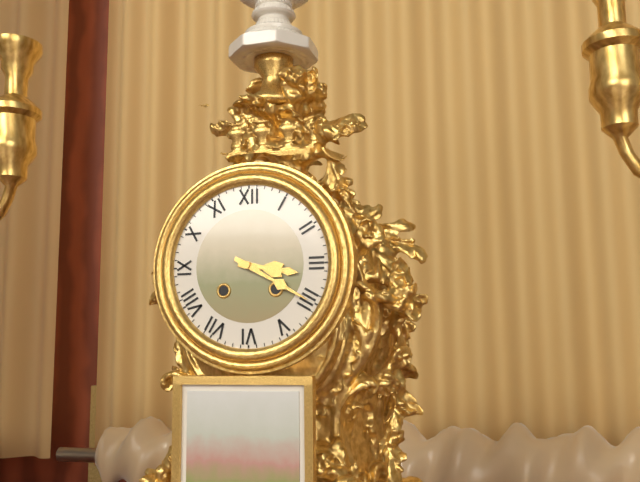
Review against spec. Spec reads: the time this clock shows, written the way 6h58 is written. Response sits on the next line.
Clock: 3h20
